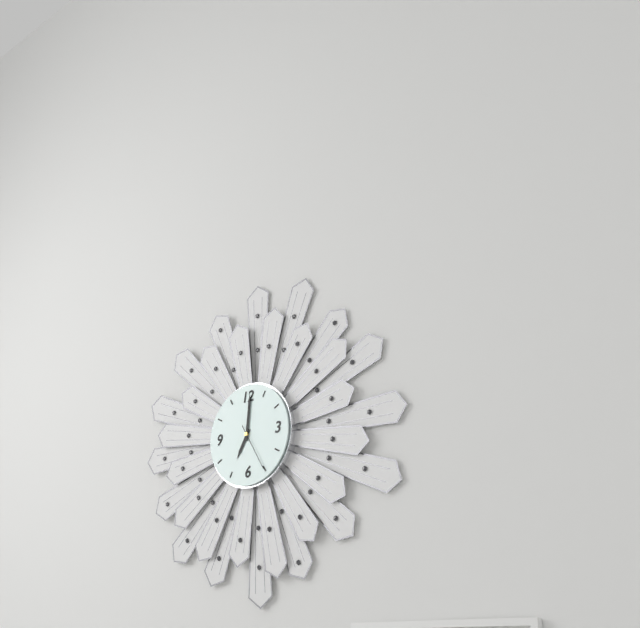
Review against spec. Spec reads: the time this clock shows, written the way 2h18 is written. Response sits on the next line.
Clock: 7h01
